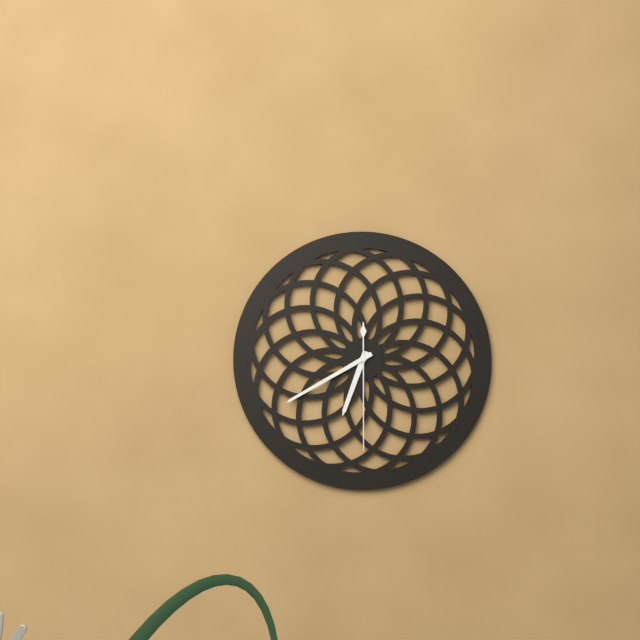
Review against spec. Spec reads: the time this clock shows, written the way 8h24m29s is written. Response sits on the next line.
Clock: 6h40m30s
